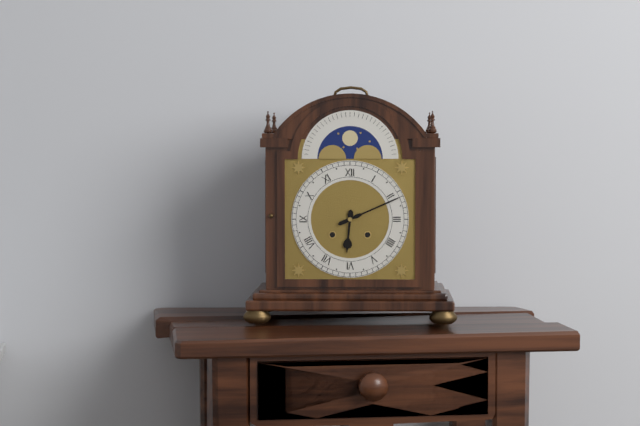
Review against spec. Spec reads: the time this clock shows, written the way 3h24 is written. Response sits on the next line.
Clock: 6h11
